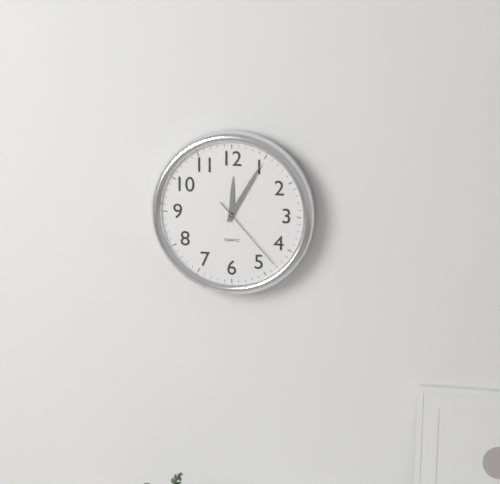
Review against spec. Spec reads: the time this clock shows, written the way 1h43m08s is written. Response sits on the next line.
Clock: 12h05m23s
